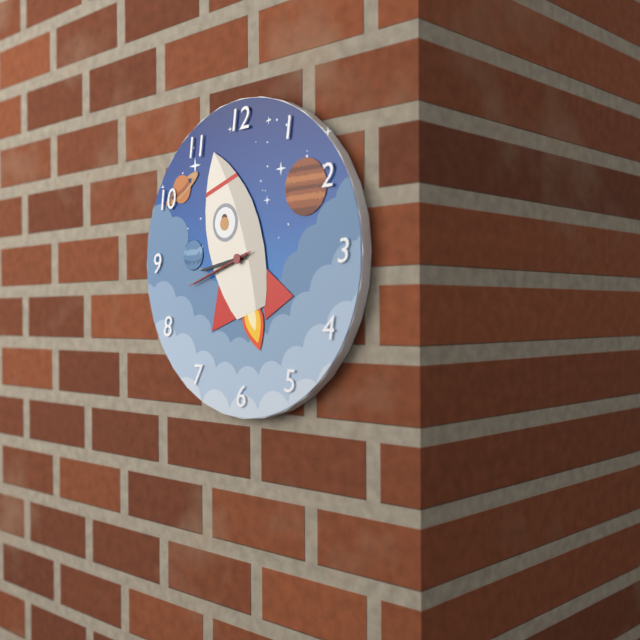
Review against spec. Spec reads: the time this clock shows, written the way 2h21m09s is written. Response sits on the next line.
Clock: 8h42m42s
